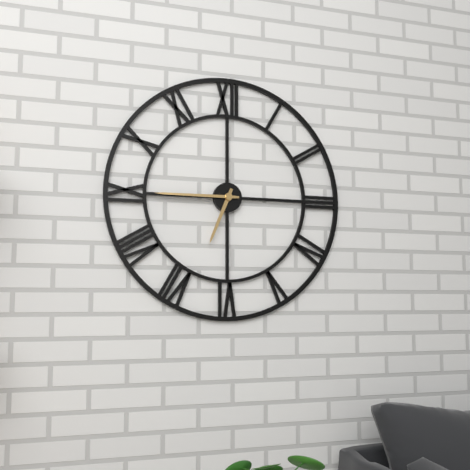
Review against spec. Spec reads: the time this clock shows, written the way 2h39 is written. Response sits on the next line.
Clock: 6h45
